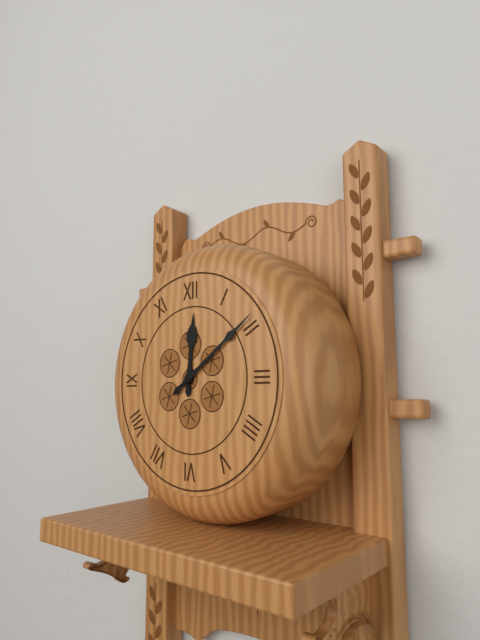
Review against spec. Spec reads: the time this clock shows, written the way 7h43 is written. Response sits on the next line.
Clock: 12h09
